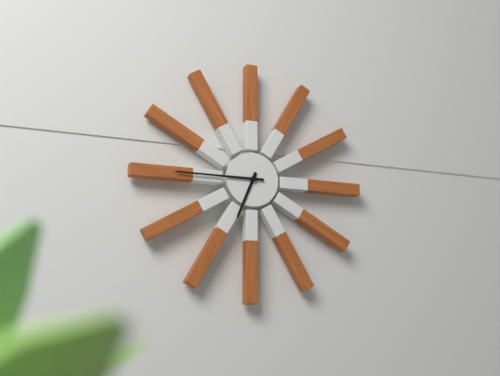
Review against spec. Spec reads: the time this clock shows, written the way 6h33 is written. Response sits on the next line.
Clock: 6h45
